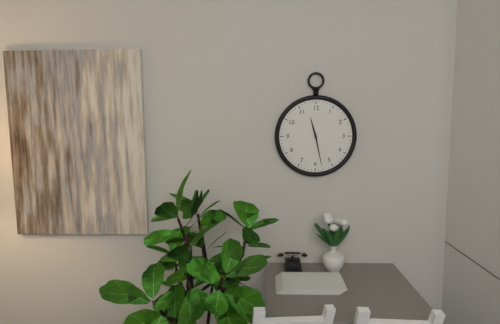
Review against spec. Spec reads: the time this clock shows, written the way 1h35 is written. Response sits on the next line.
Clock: 11h28
